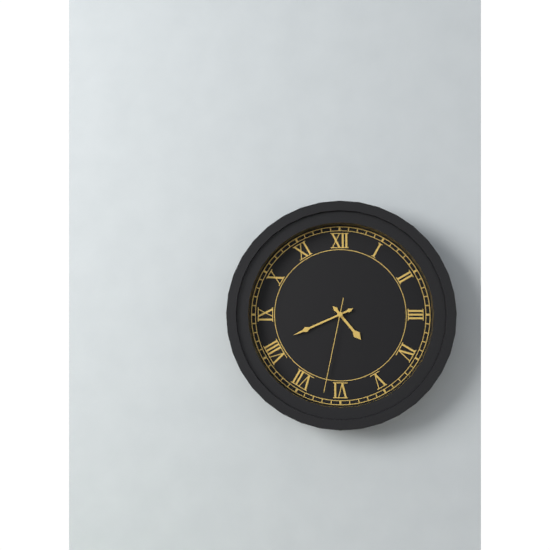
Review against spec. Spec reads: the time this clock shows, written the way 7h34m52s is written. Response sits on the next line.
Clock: 4h41m32s
